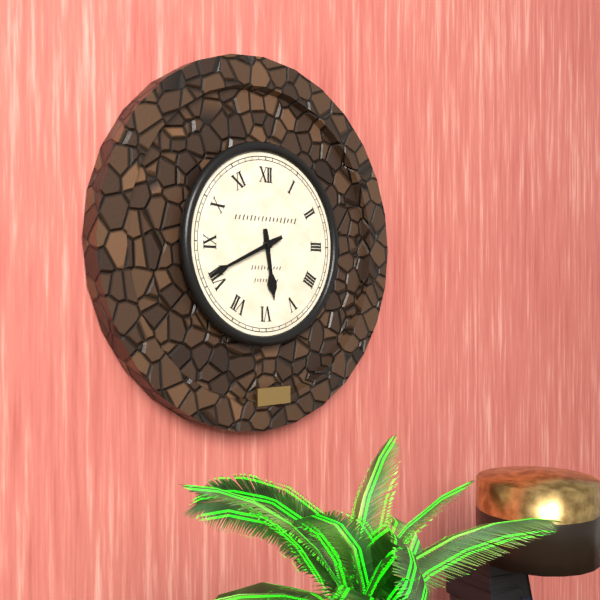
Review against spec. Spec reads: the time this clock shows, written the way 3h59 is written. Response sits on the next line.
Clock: 5h41
